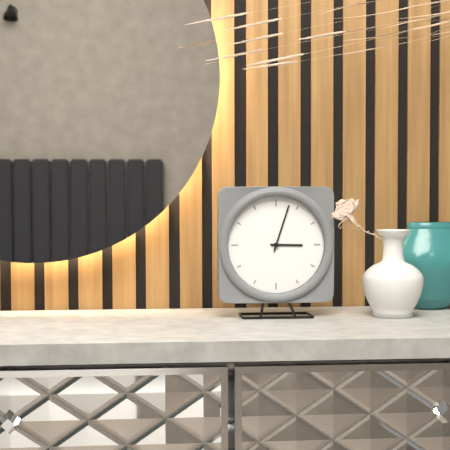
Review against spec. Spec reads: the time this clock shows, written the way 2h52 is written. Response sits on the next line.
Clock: 3h03
